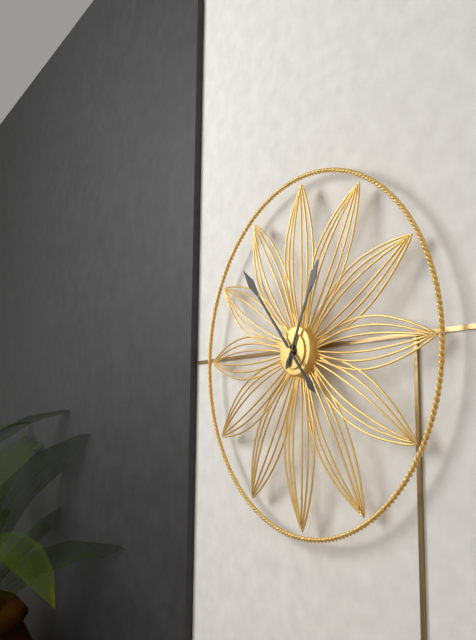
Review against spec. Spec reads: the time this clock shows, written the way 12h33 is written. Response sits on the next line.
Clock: 12h53
